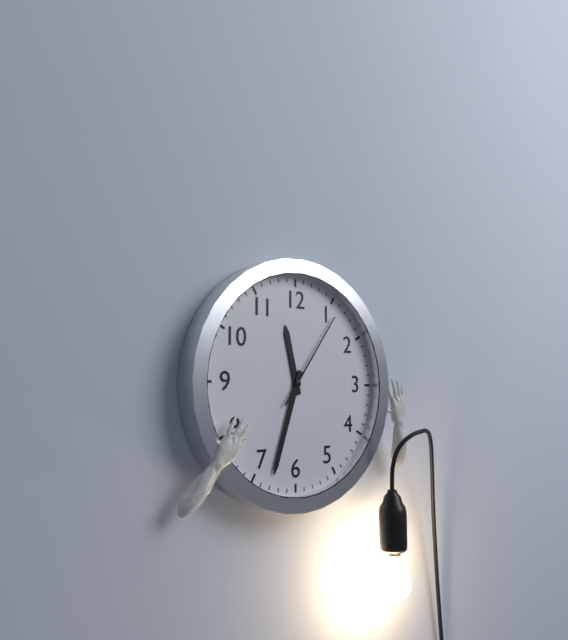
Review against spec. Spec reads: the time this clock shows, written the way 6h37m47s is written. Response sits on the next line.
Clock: 11h33m06s
